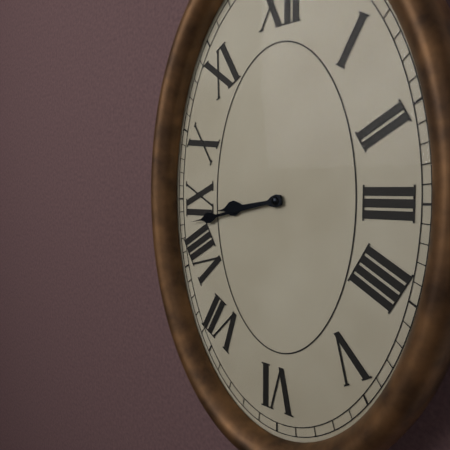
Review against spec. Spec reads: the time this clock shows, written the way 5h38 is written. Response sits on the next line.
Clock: 8h43
